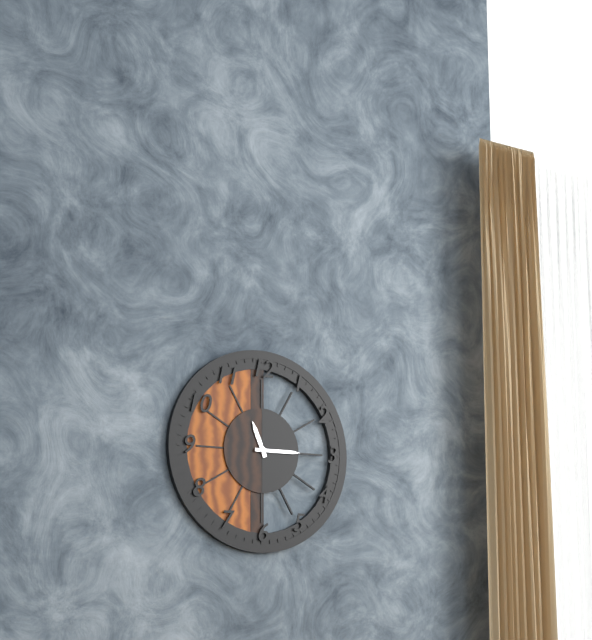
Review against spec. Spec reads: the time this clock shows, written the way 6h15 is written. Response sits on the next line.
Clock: 11h15
